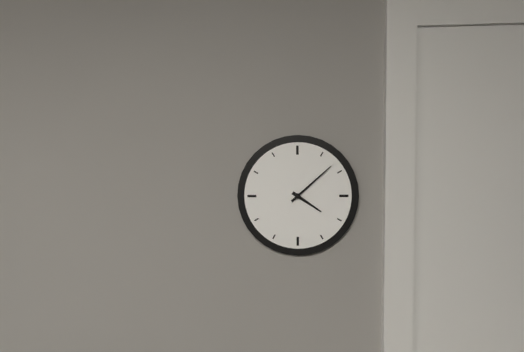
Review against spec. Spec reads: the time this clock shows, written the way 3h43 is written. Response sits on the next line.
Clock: 4h08
